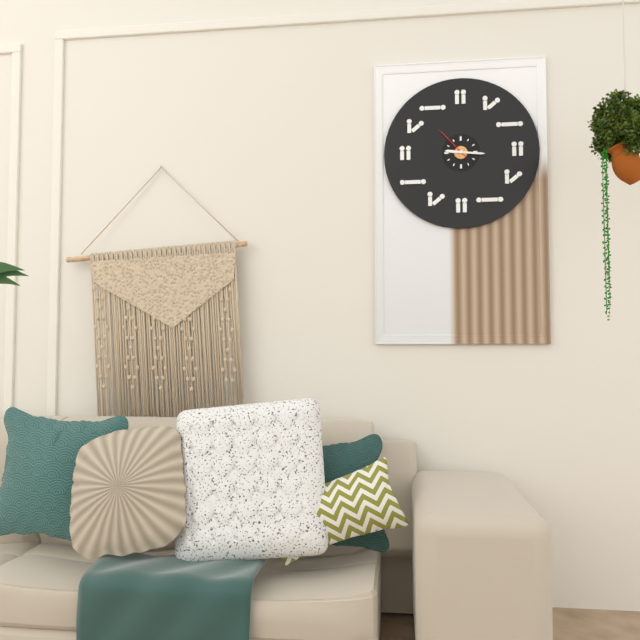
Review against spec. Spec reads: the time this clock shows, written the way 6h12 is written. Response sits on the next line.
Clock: 9h16
